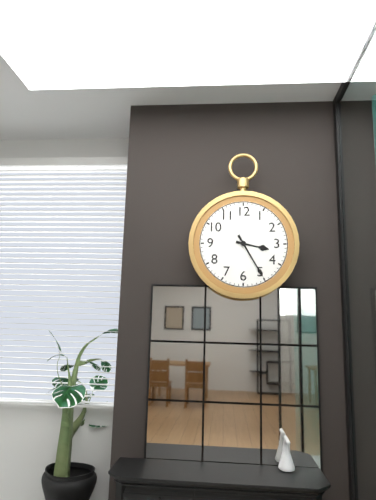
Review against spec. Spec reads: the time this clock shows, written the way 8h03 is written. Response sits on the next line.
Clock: 3h25
